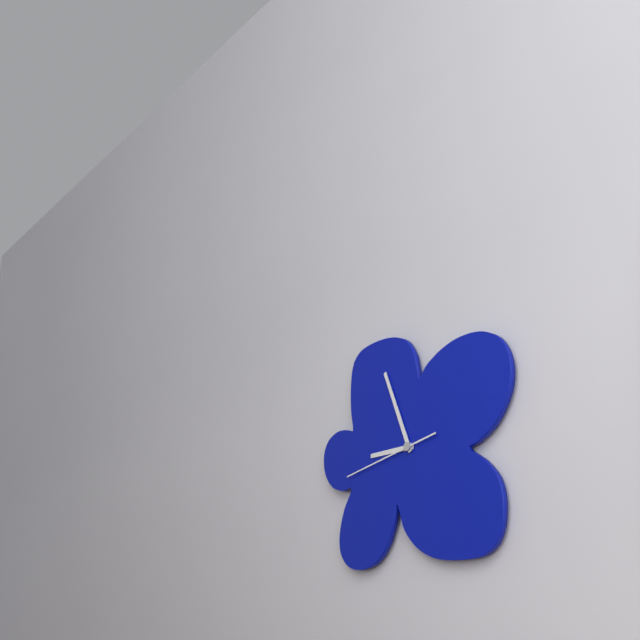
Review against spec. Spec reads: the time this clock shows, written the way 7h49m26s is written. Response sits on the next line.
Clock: 8h56m43s
